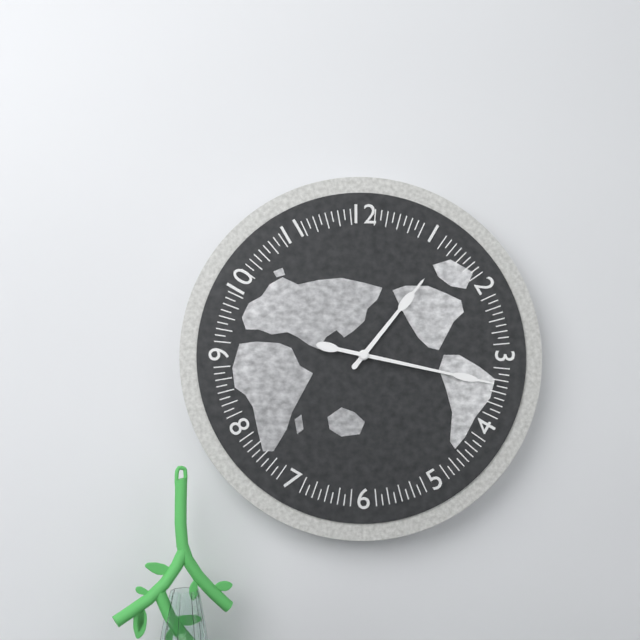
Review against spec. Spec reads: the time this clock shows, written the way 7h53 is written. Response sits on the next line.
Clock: 1h17
